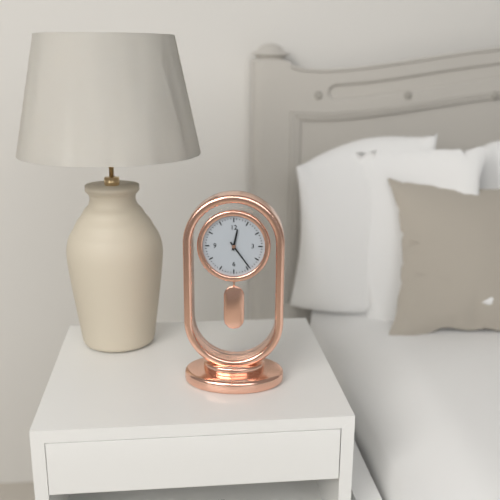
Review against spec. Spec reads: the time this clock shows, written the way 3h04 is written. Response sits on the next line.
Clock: 12h24
